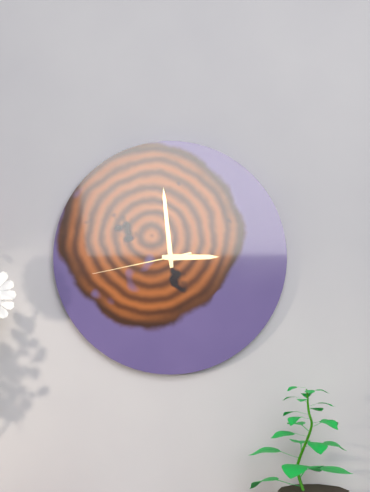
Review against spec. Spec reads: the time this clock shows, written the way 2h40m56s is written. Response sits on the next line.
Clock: 2h59m43s
